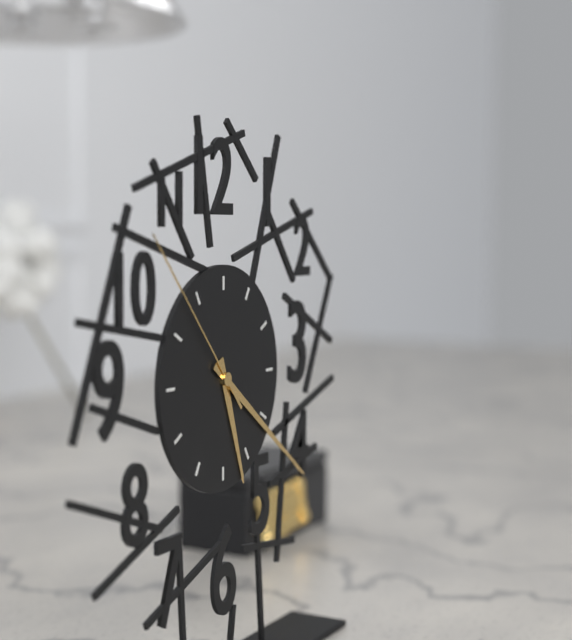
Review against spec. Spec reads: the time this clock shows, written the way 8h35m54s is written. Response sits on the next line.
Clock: 5h21m53s
